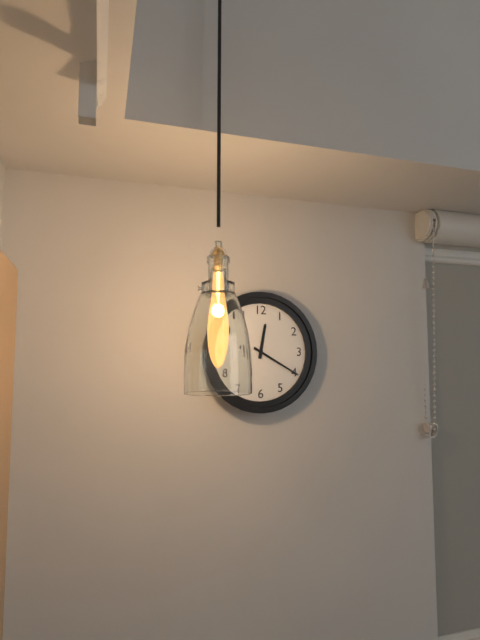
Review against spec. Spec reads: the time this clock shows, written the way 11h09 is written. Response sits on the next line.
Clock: 12h20
